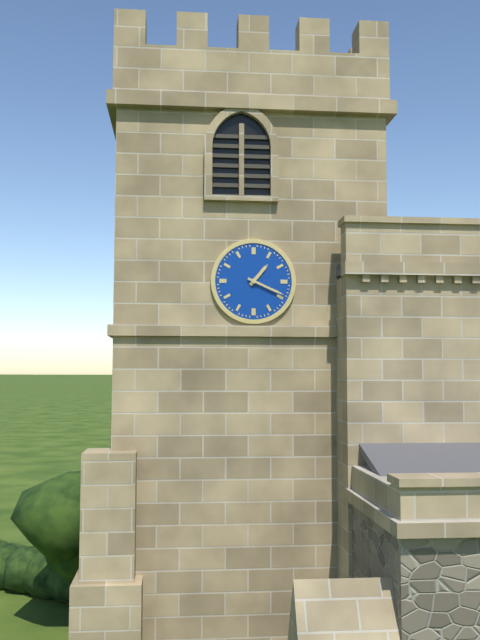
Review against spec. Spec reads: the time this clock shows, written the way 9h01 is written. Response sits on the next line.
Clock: 1h19
